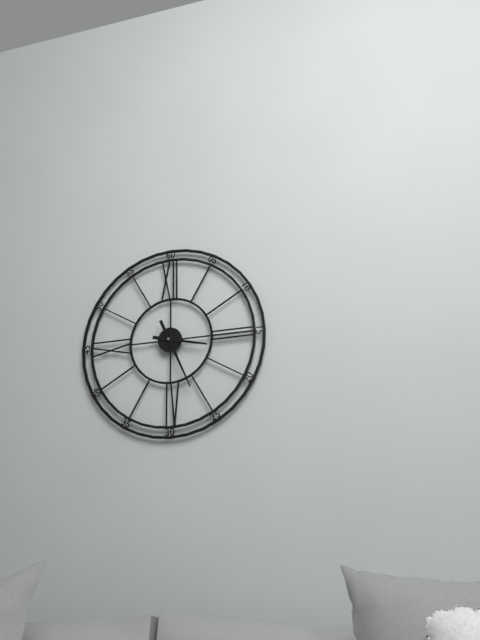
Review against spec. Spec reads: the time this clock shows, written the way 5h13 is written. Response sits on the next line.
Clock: 3h26
